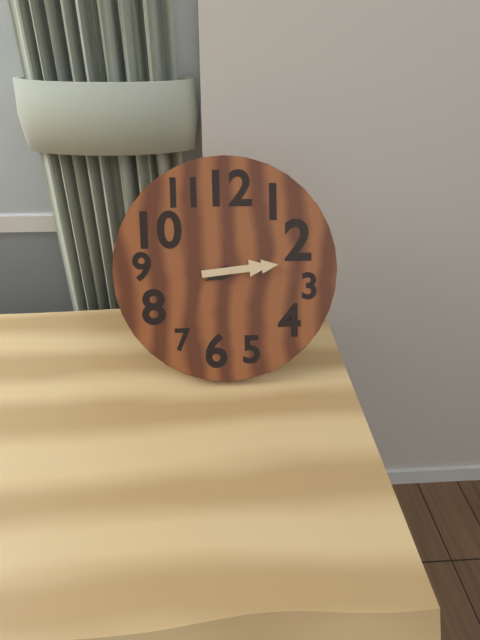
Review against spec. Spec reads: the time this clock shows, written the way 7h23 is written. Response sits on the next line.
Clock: 8h14
